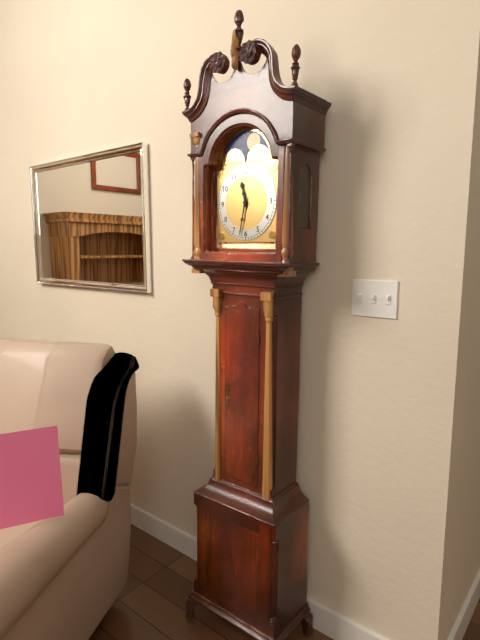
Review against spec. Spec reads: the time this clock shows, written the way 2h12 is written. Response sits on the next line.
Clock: 11h32
